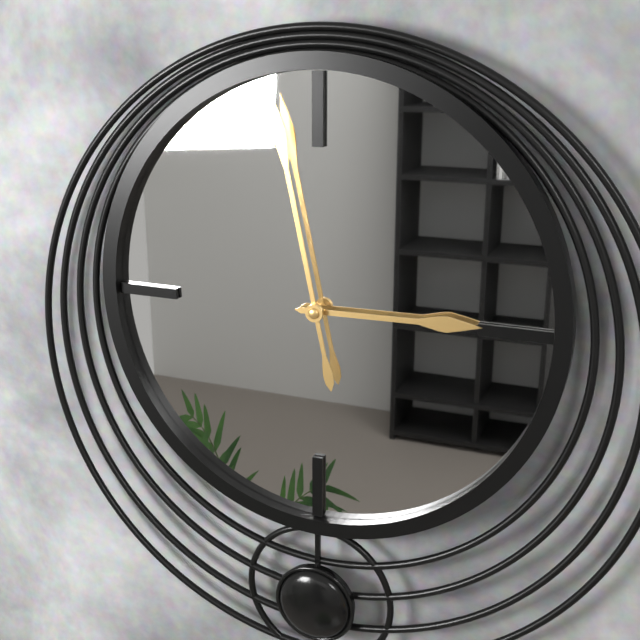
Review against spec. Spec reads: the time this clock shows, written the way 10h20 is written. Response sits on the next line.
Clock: 2h58
